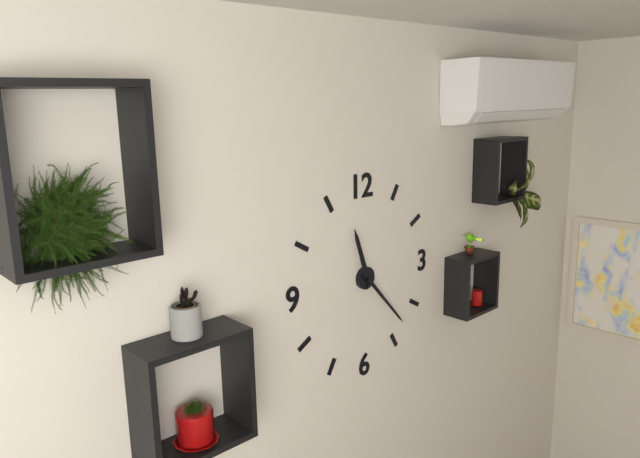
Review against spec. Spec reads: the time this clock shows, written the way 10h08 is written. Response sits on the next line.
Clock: 11h23
